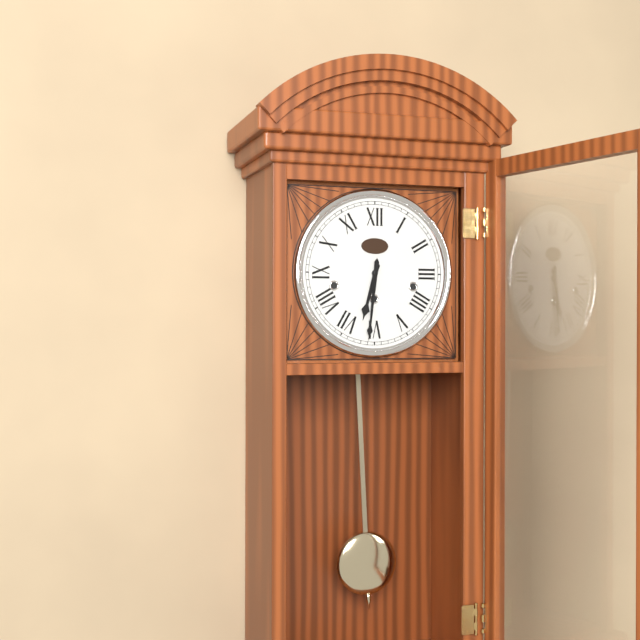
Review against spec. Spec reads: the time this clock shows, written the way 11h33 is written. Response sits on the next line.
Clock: 6h31
